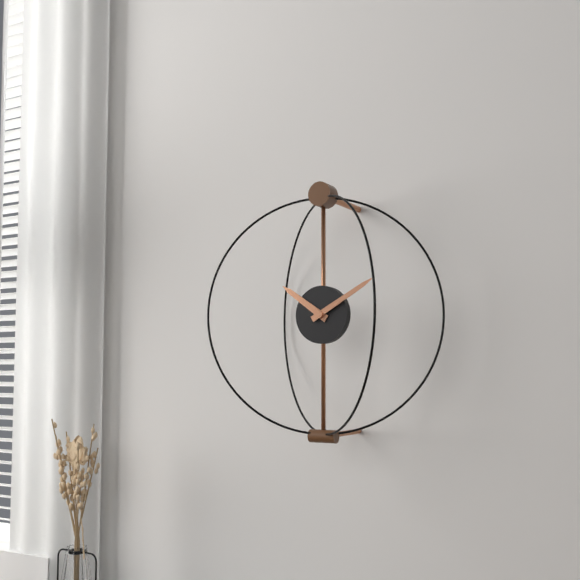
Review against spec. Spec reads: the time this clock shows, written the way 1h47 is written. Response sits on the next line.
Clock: 10h10
